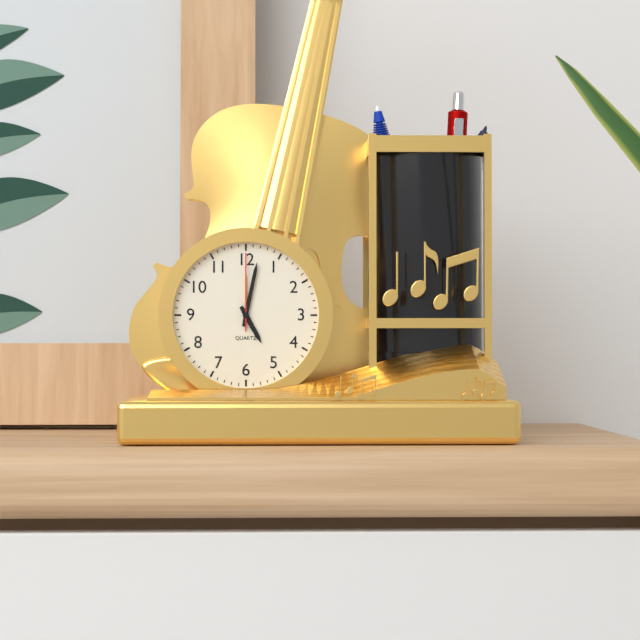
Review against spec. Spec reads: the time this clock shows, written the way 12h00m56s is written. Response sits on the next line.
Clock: 5h02m00s
